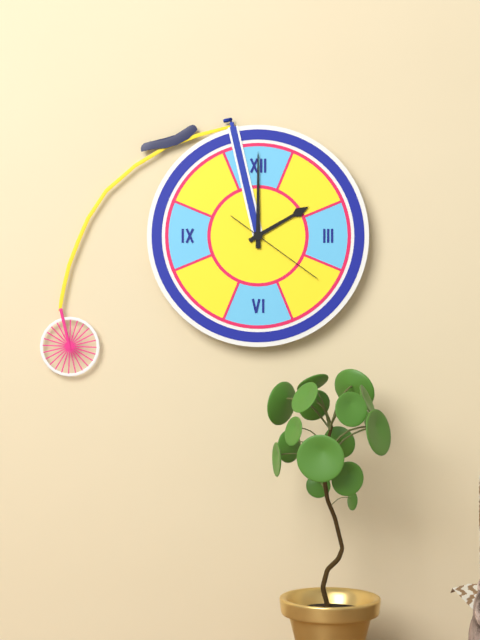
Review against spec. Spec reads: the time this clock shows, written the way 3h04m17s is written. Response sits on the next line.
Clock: 2h00m21s
